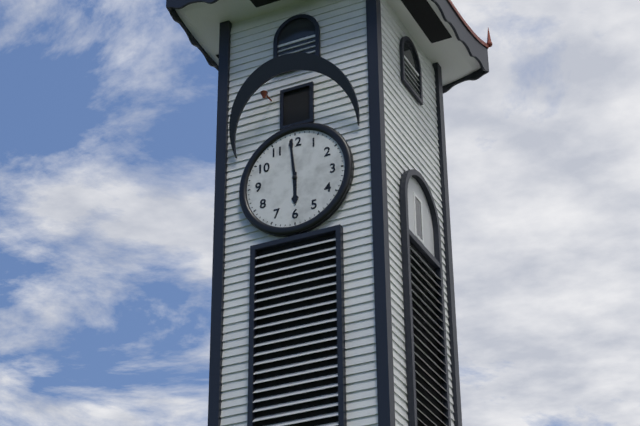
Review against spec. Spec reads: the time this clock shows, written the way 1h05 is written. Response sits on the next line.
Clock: 5h59
